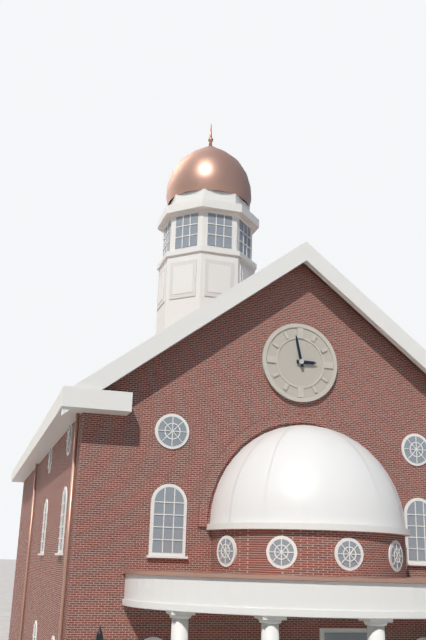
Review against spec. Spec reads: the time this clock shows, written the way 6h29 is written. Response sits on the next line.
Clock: 2h58
